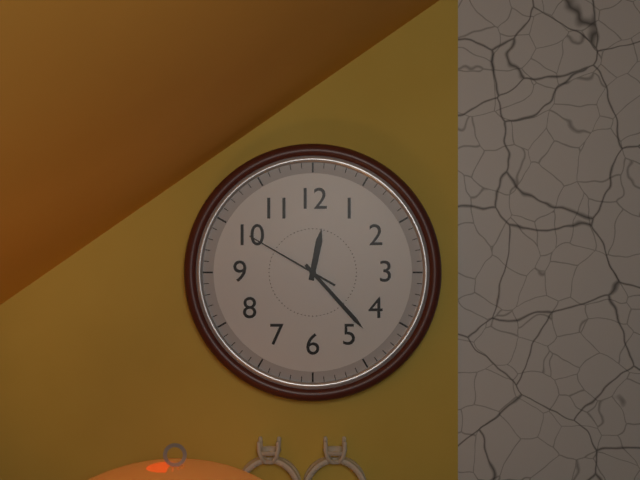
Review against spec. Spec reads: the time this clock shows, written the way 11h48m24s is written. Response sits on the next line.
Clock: 12h23m50s
